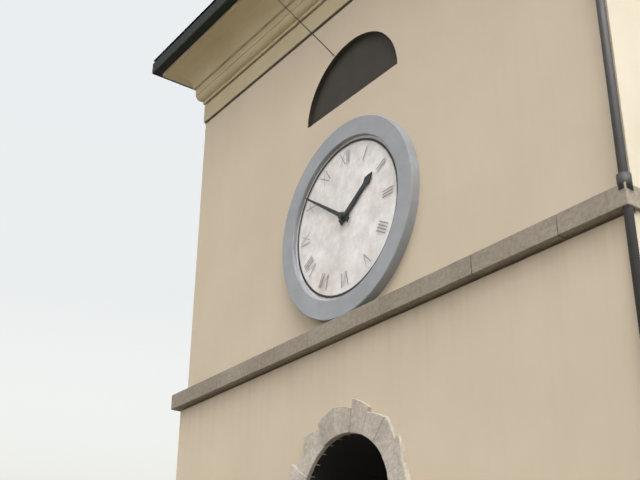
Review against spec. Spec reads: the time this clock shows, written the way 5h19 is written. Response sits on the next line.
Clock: 1h51
